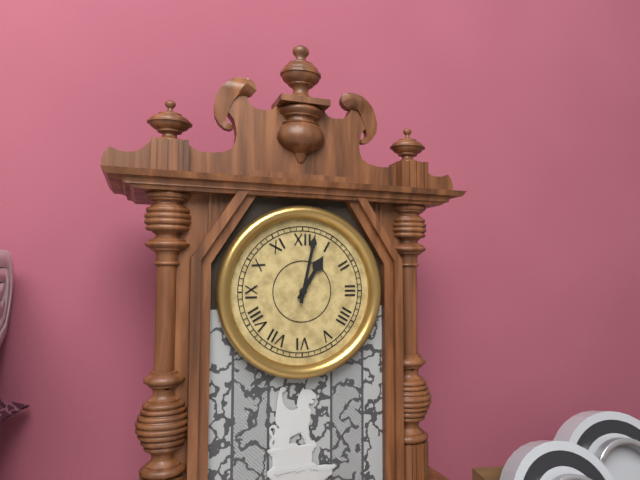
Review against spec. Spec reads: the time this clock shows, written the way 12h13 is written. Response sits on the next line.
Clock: 1h02
